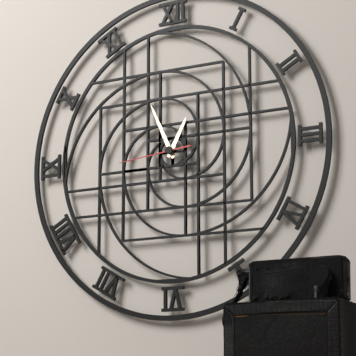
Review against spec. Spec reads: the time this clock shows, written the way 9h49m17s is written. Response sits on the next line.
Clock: 12h56m44s
